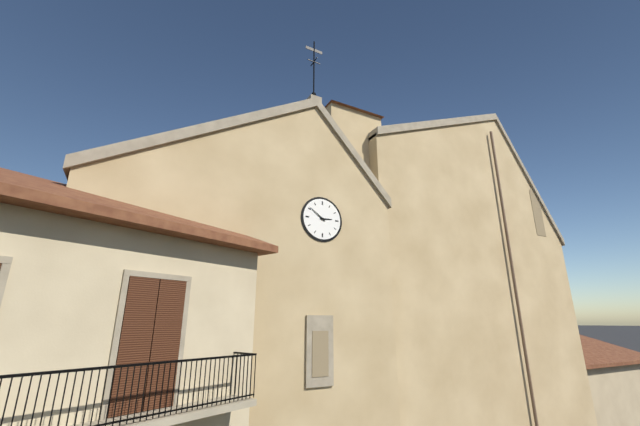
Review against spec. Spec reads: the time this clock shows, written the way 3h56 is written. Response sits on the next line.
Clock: 2h51
